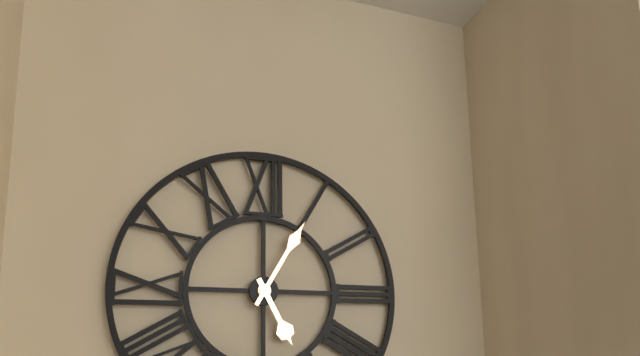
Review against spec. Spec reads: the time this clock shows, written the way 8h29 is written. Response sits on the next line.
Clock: 5h05
